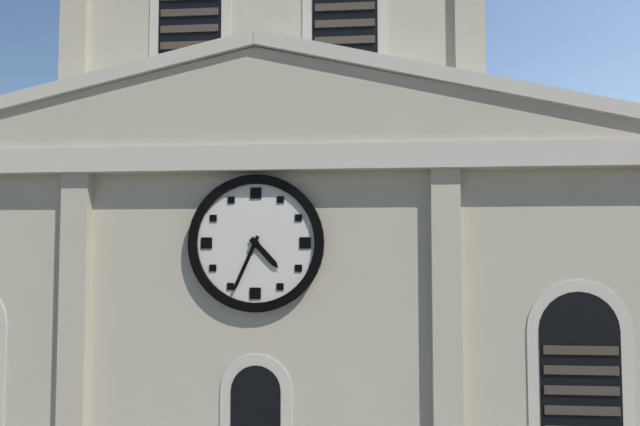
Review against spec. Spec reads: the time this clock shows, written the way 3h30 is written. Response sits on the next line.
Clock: 4h34
